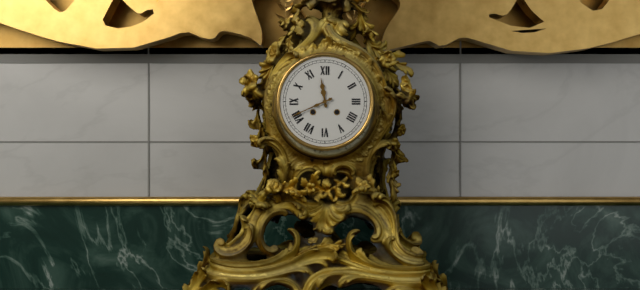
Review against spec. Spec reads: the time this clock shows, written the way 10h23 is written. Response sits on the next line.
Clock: 11h41
